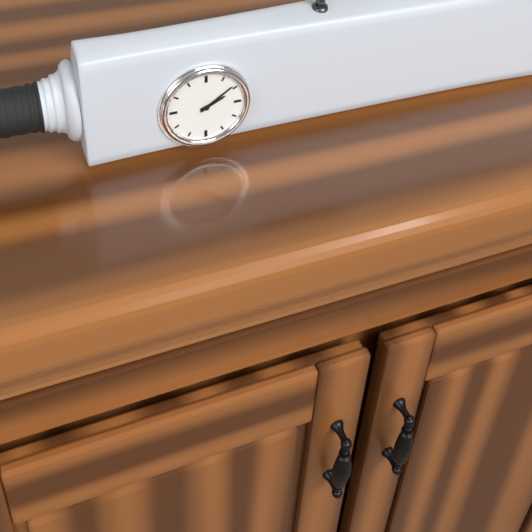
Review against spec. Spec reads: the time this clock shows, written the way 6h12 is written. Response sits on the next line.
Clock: 2h09
